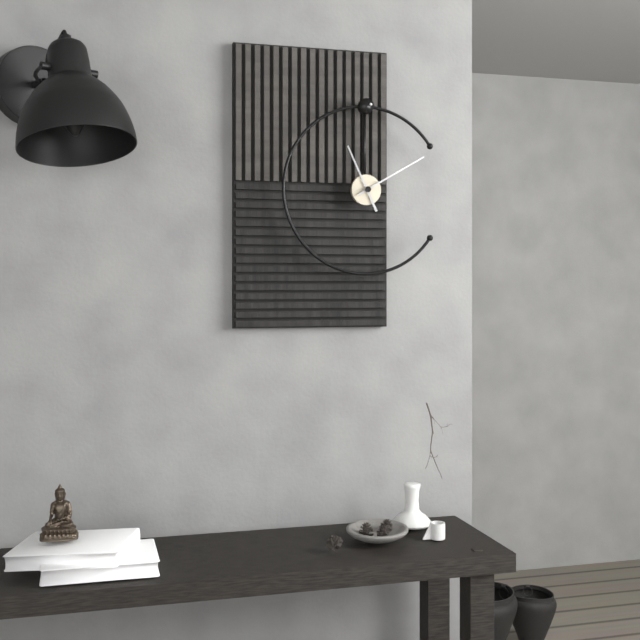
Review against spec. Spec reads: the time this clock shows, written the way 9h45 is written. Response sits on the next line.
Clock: 11h10
